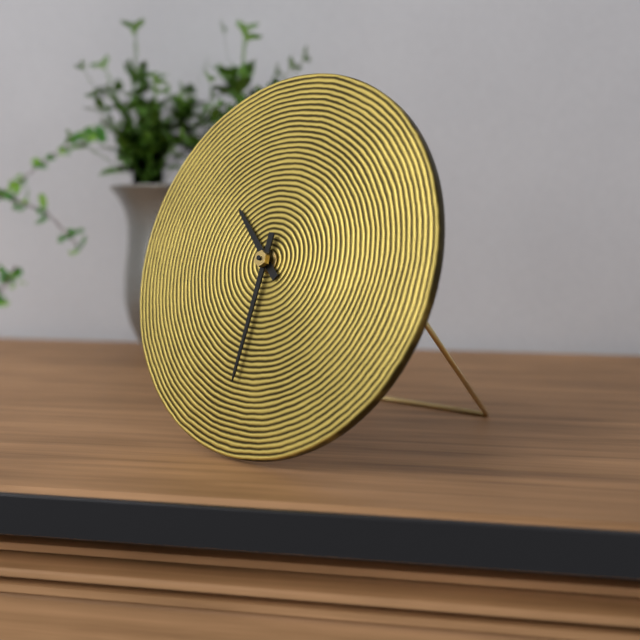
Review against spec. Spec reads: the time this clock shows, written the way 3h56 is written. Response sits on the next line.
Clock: 10h31
